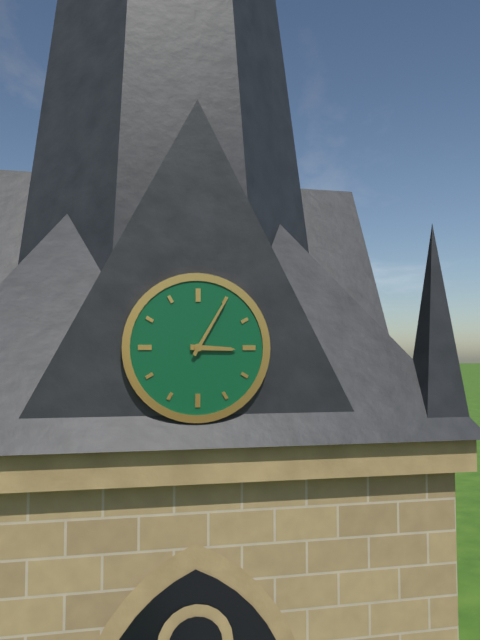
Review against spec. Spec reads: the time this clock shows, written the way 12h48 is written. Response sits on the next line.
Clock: 3h05
